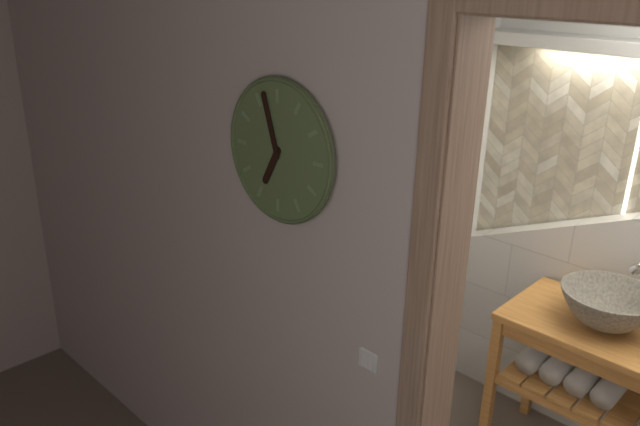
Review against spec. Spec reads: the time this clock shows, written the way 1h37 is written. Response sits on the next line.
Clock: 6h57
